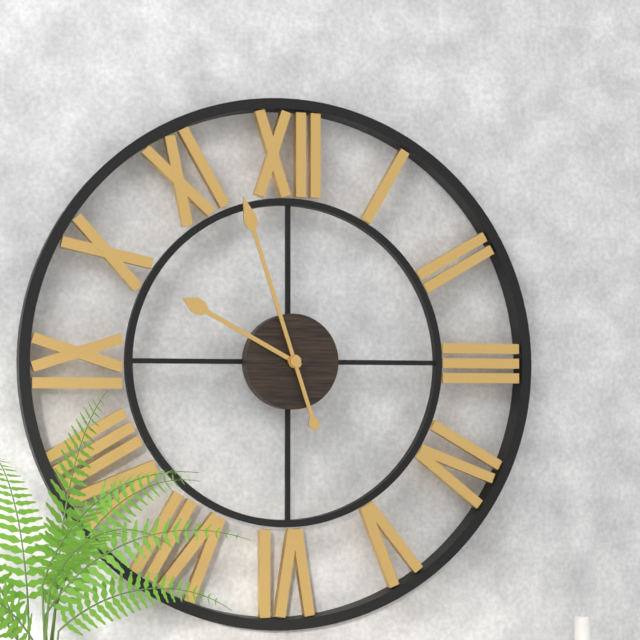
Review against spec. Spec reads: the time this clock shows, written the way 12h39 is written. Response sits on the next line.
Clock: 9h57
